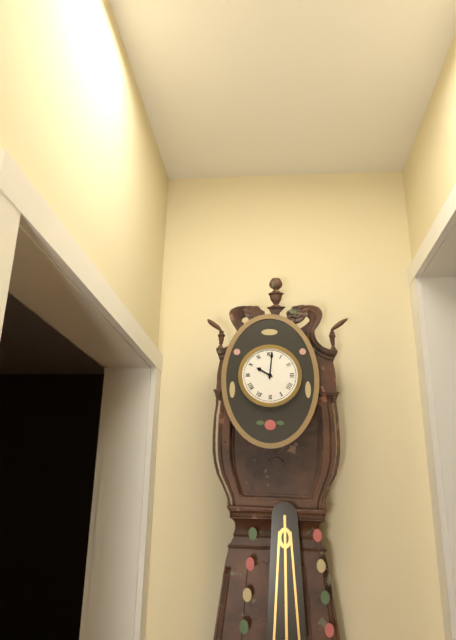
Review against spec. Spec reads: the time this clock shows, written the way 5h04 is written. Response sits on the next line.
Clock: 10h01
